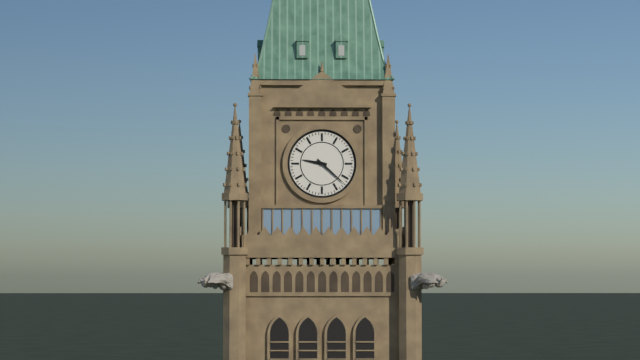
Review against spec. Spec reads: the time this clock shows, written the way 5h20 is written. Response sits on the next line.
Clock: 9h22
